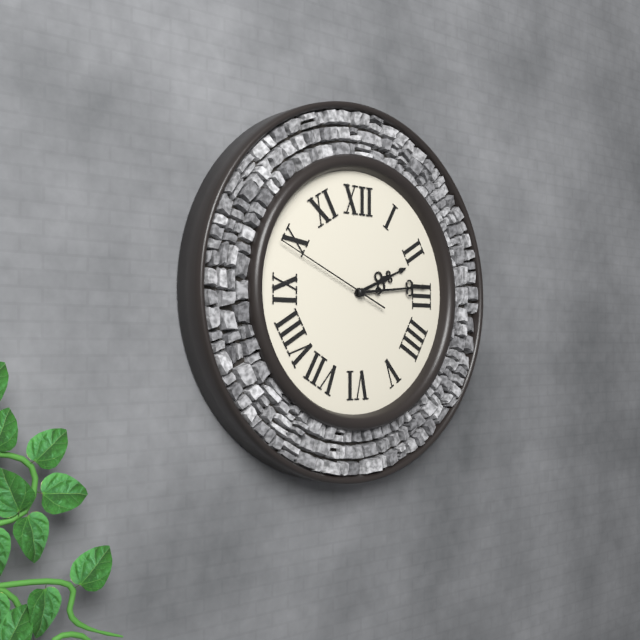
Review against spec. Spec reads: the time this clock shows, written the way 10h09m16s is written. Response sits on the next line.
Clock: 2h14m49s
